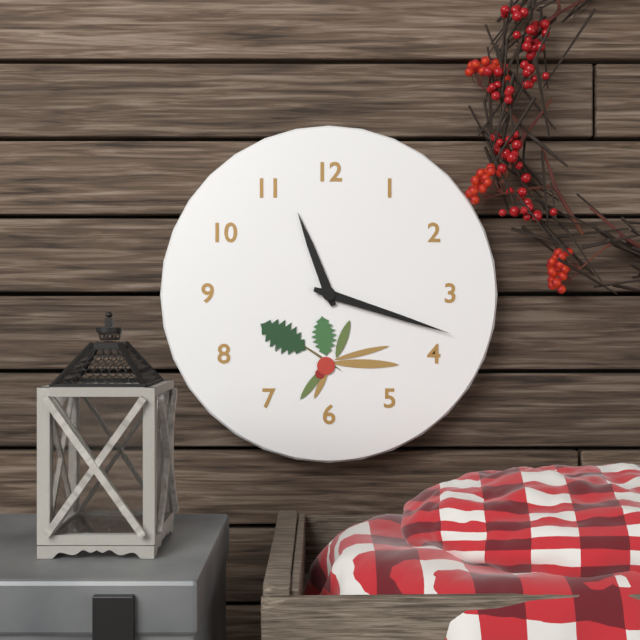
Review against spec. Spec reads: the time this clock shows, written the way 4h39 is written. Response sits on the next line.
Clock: 11h18
